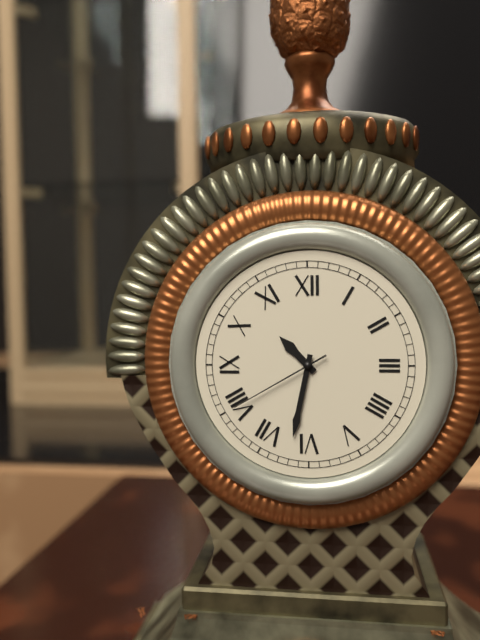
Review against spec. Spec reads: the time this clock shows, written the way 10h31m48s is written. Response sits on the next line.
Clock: 10h32m40s
